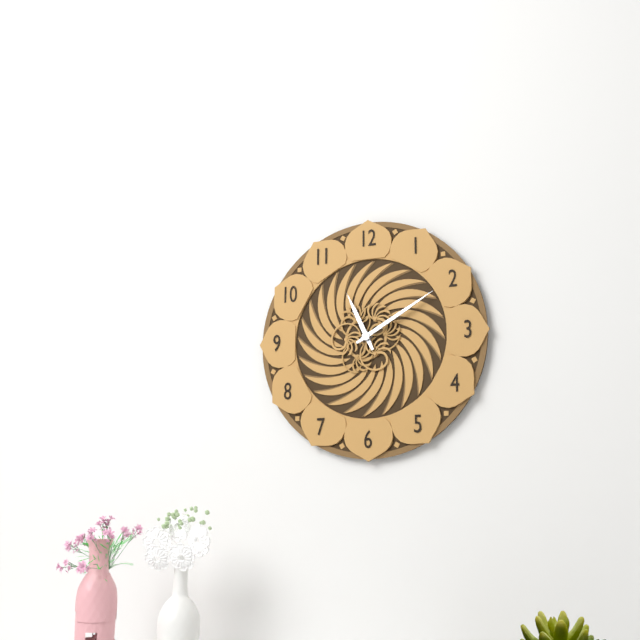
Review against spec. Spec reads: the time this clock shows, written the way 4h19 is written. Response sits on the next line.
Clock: 11h10
